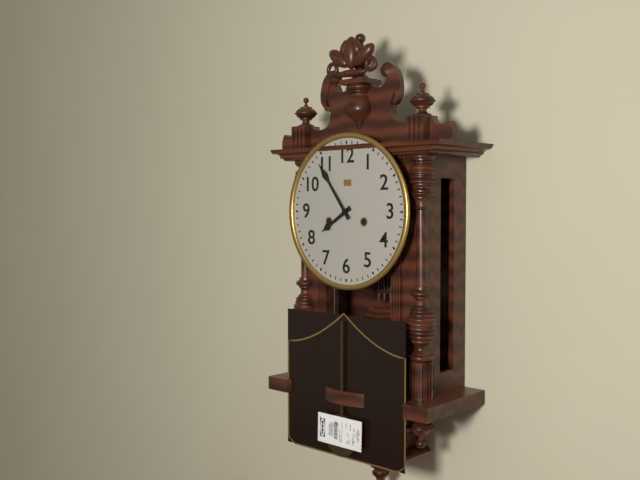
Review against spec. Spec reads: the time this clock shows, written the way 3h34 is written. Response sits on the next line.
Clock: 7h54
